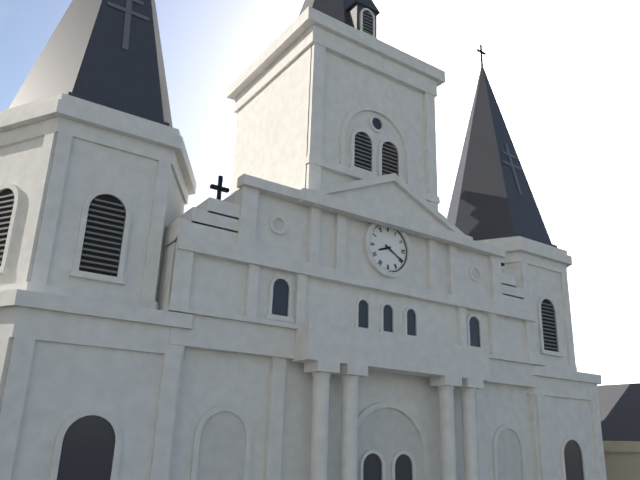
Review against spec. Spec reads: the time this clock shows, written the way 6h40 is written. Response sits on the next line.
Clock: 8h20
